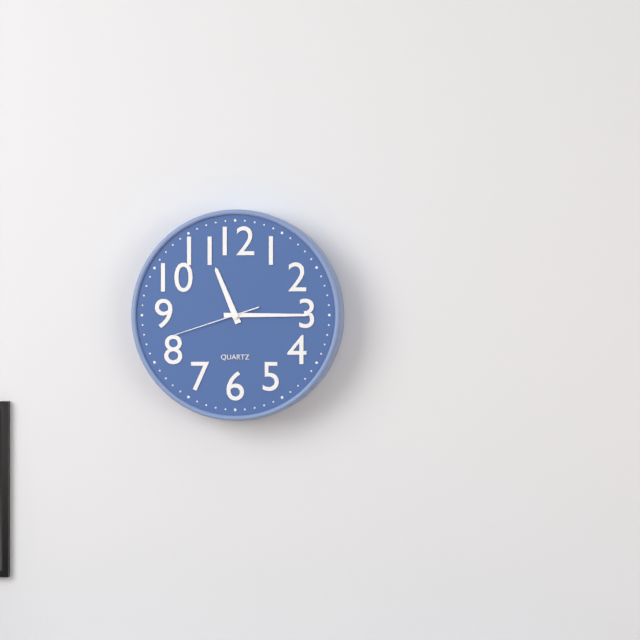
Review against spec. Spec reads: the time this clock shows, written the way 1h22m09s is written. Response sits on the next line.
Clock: 11h15m42s
